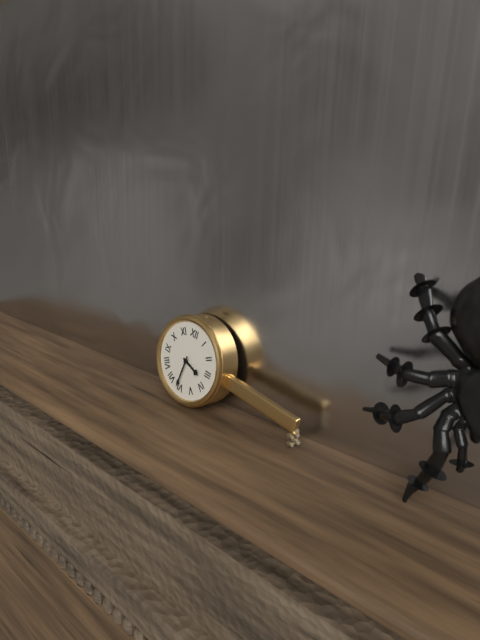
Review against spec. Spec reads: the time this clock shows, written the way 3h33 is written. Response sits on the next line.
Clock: 3h31
